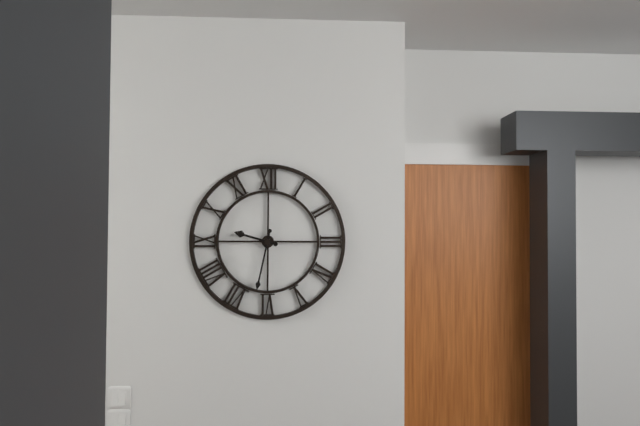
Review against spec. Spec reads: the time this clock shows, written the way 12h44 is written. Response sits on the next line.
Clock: 9h32
